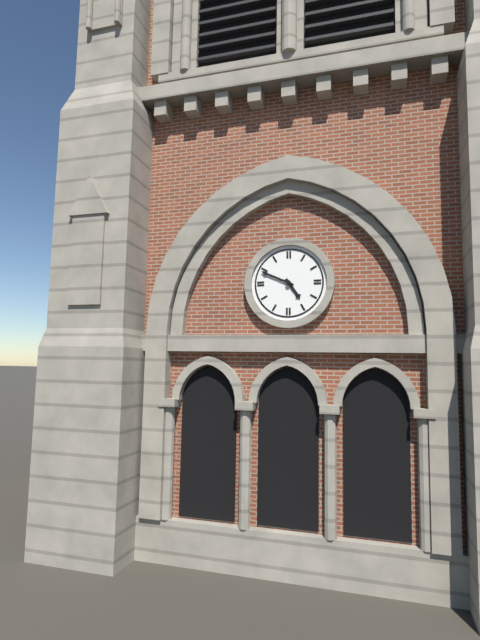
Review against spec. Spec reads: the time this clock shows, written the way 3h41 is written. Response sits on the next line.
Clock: 4h49
